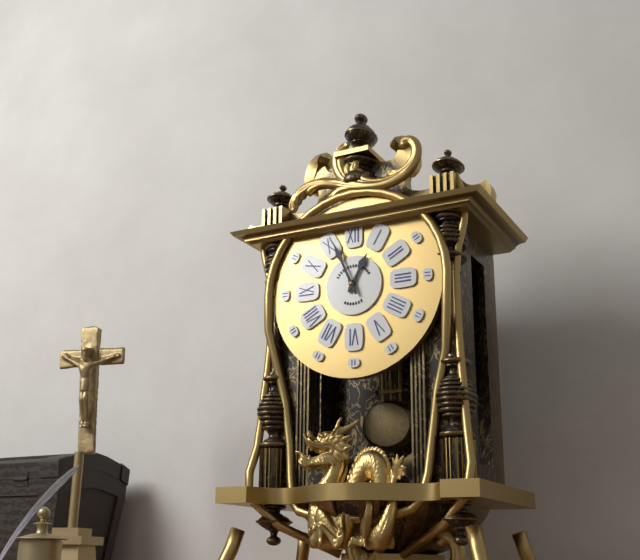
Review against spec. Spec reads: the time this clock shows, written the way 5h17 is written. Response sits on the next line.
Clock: 12h56
